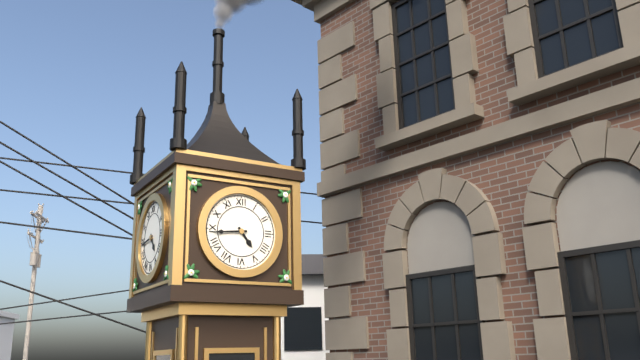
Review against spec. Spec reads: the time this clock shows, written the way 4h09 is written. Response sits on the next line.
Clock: 4h44
